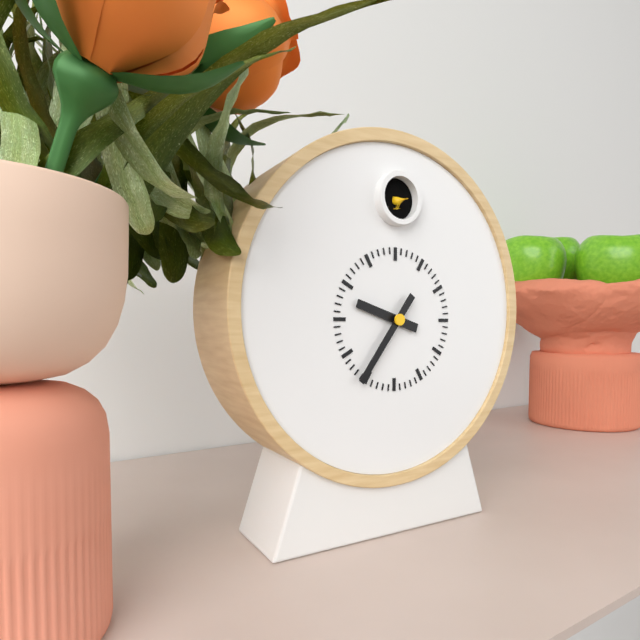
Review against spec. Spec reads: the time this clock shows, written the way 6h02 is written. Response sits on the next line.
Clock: 9h36
